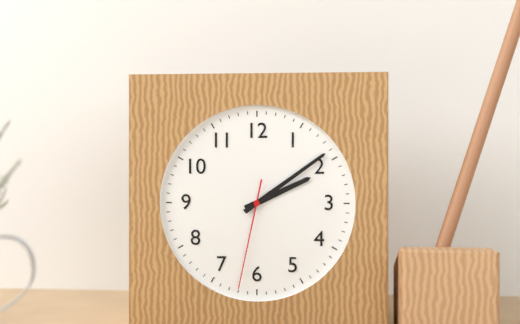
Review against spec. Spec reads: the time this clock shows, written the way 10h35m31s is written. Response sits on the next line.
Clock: 2h09m32s
